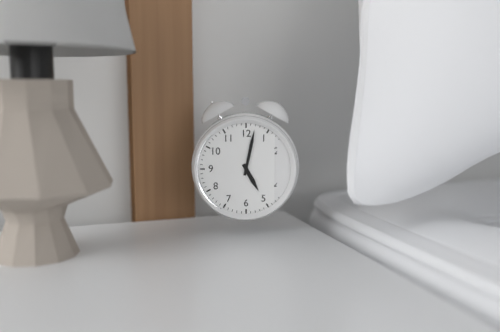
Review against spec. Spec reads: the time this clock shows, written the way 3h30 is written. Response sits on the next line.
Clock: 5h02
